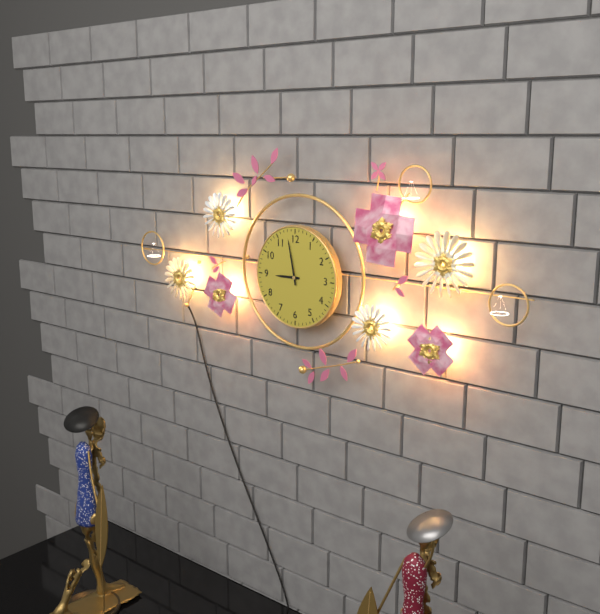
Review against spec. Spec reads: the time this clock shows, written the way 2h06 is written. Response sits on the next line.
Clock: 8h58
